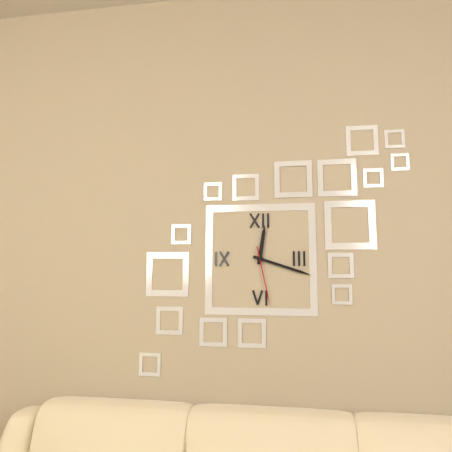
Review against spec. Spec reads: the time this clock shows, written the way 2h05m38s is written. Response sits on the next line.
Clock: 12h18m28s
